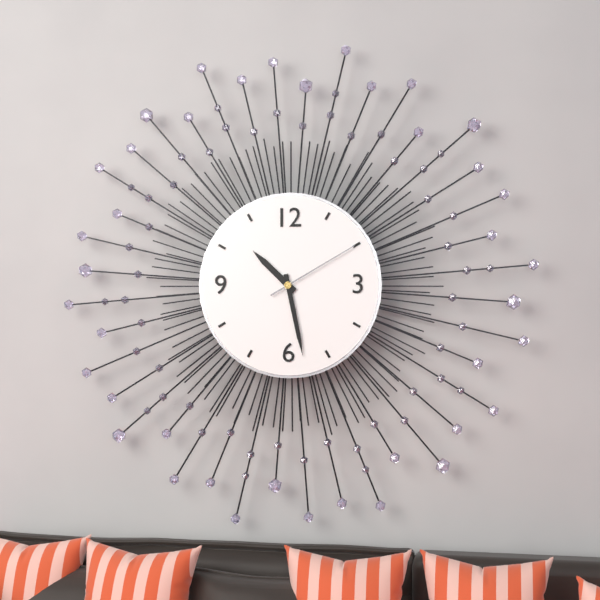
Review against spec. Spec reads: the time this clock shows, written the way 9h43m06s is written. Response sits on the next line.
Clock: 10h28m10s
